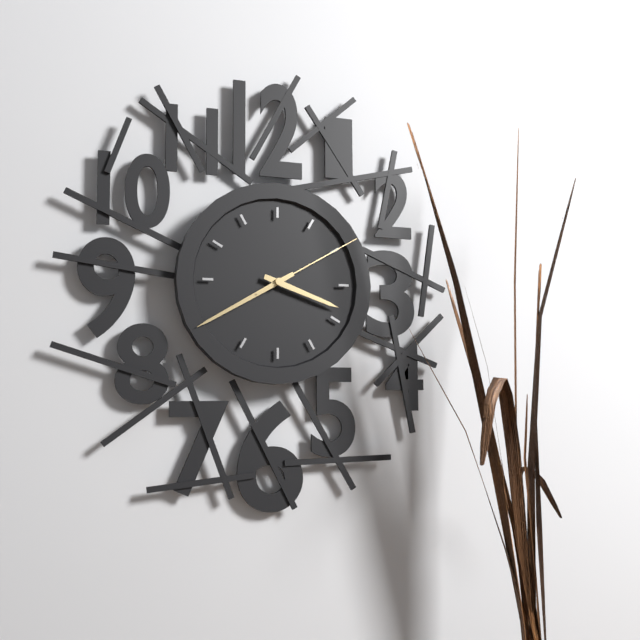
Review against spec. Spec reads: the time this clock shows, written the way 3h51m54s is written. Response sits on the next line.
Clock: 3h40m10s
